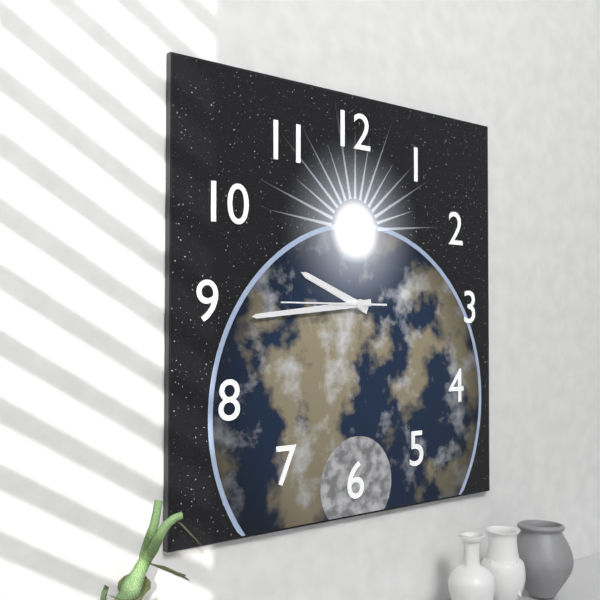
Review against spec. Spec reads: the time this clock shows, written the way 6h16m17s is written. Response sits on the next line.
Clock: 9h44m45s
